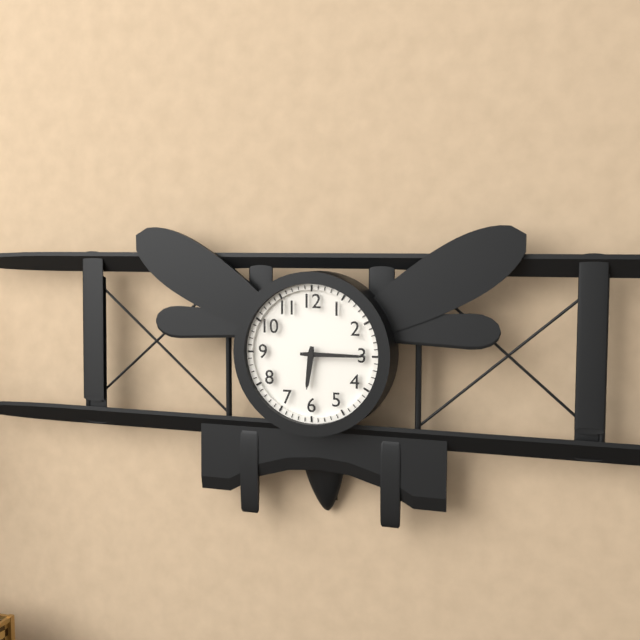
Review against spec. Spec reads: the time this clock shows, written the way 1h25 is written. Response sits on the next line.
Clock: 6h15
